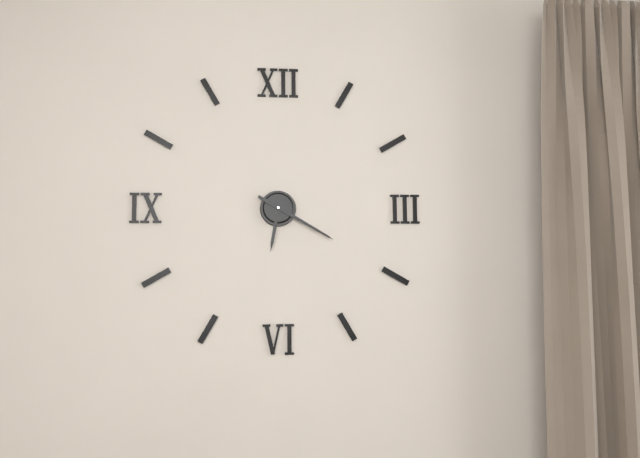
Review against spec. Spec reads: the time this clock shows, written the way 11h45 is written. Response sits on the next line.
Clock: 6h20
